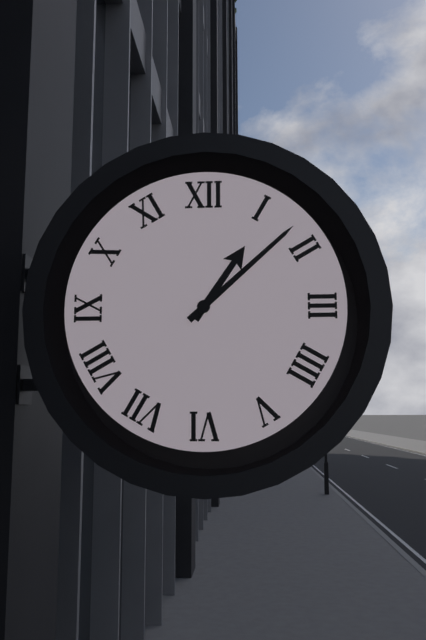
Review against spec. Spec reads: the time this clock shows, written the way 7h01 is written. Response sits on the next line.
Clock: 1h08
